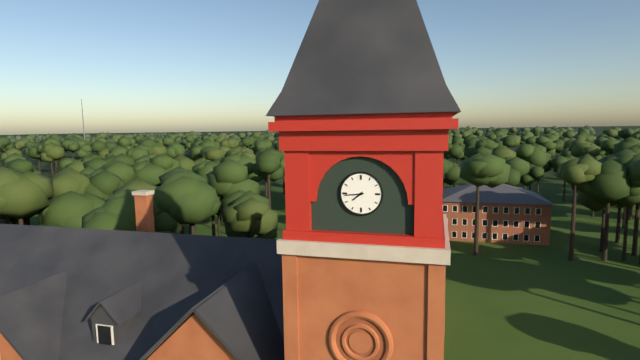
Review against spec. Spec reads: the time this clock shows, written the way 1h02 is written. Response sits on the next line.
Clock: 7h44
